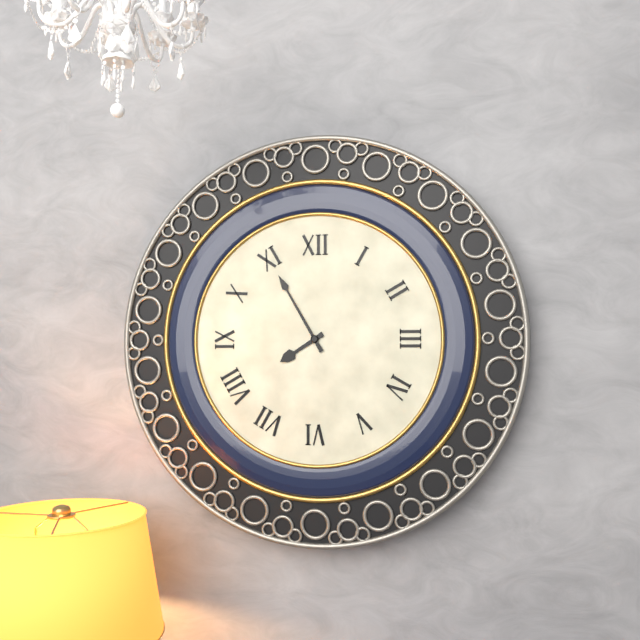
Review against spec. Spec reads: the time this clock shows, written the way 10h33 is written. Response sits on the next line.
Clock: 7h55
